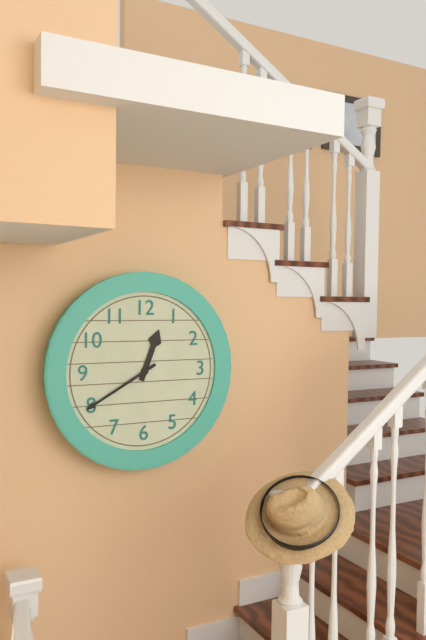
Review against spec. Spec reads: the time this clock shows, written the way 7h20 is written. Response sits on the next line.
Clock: 12h40
